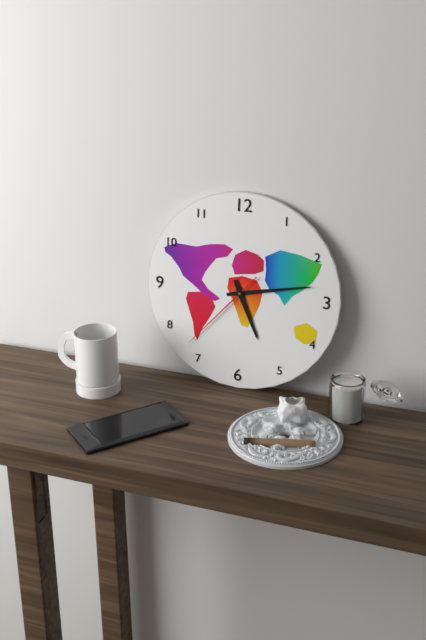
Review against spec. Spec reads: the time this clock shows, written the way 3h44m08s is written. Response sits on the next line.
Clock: 5h13m37s
